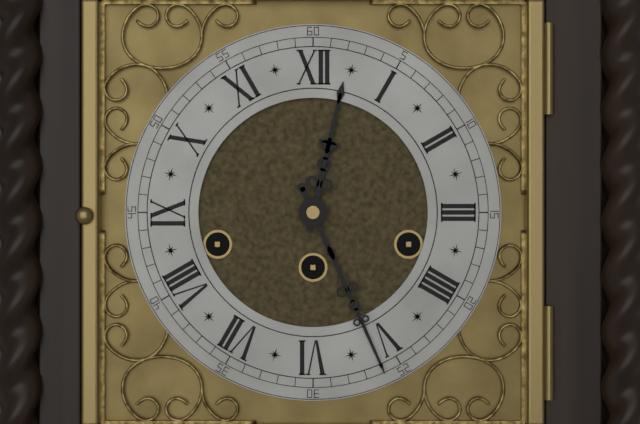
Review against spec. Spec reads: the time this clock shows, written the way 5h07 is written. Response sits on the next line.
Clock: 12h26
